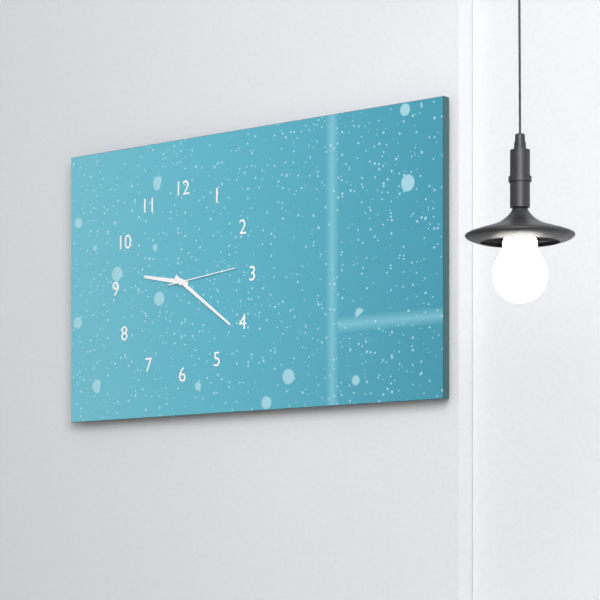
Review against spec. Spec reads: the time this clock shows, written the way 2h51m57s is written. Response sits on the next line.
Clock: 9h21m14s
